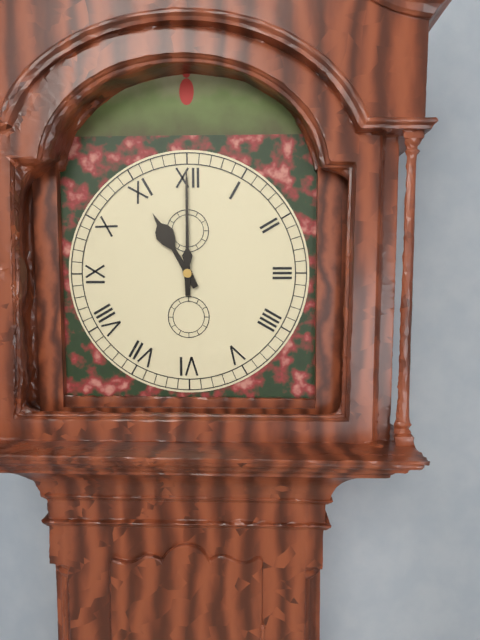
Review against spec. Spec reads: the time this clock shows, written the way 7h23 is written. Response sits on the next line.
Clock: 11h00
